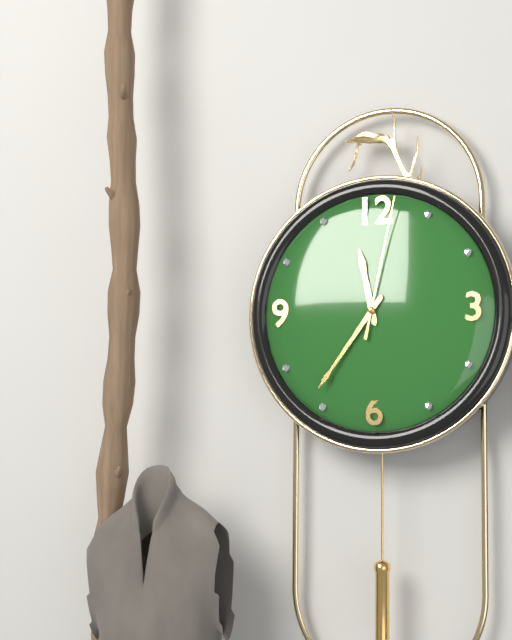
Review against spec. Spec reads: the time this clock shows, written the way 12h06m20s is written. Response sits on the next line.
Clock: 11h36m02s
